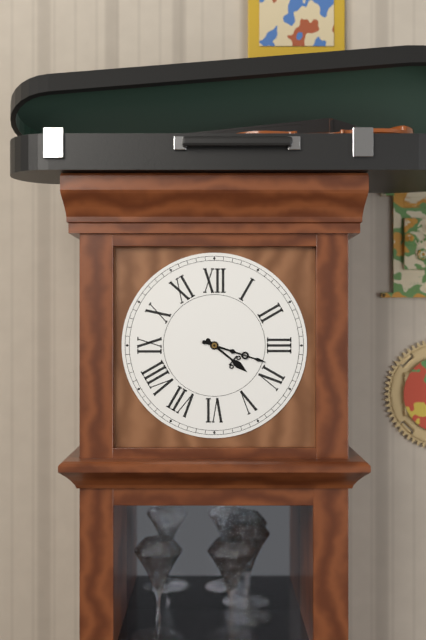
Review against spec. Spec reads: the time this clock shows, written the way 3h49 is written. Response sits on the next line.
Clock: 4h18
